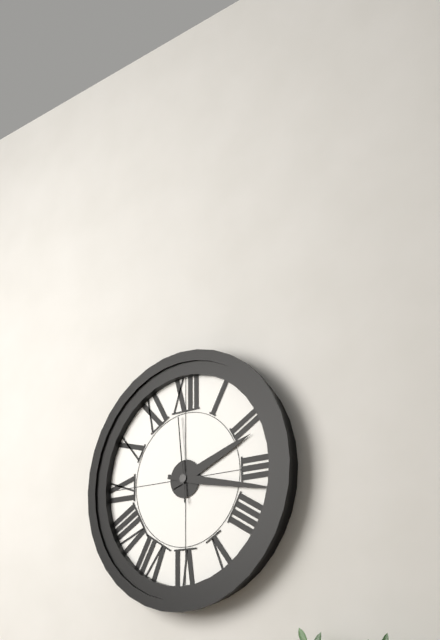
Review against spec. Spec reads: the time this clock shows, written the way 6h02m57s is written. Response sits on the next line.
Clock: 2h17m59s
